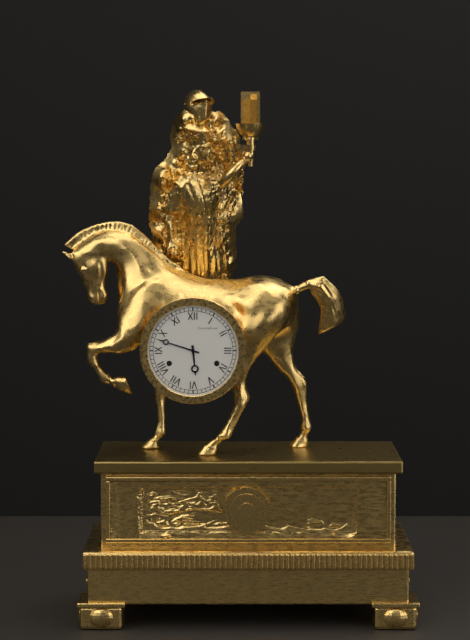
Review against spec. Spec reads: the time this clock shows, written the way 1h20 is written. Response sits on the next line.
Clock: 5h48
